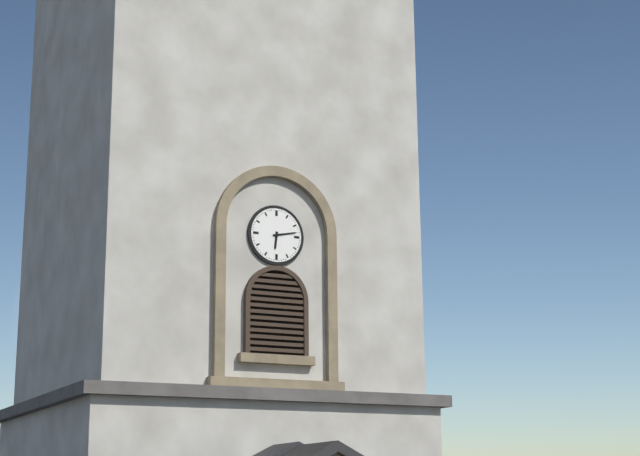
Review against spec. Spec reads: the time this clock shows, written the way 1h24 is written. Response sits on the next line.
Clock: 6h13
